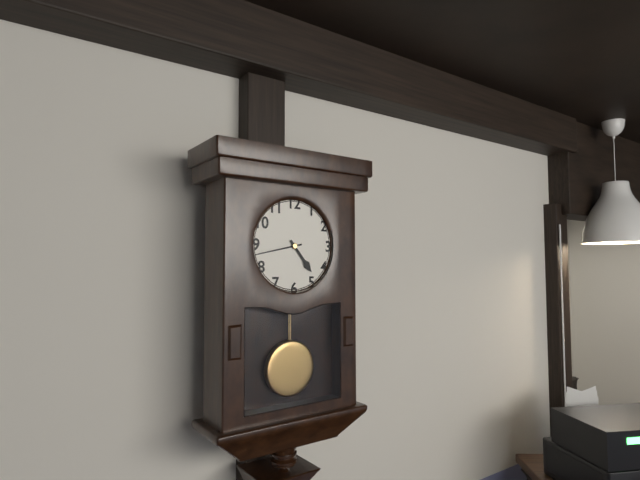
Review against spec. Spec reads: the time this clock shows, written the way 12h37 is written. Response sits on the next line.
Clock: 4h43
